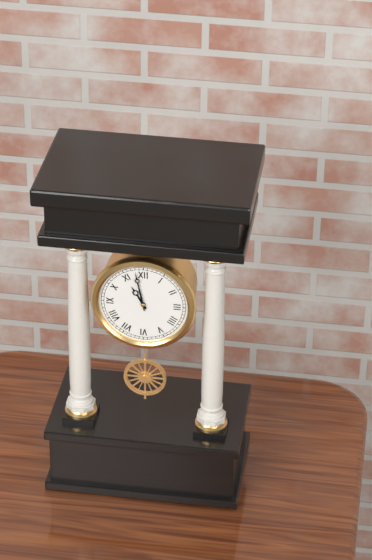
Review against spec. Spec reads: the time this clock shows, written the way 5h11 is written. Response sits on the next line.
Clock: 10h58
